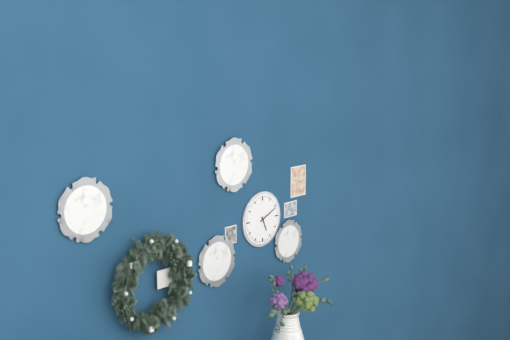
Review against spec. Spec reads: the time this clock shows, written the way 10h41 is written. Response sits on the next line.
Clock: 5h11
